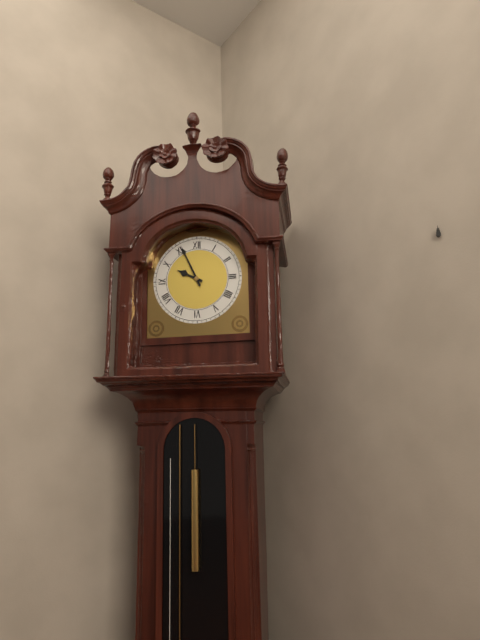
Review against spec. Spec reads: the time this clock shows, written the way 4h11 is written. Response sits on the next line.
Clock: 9h56
